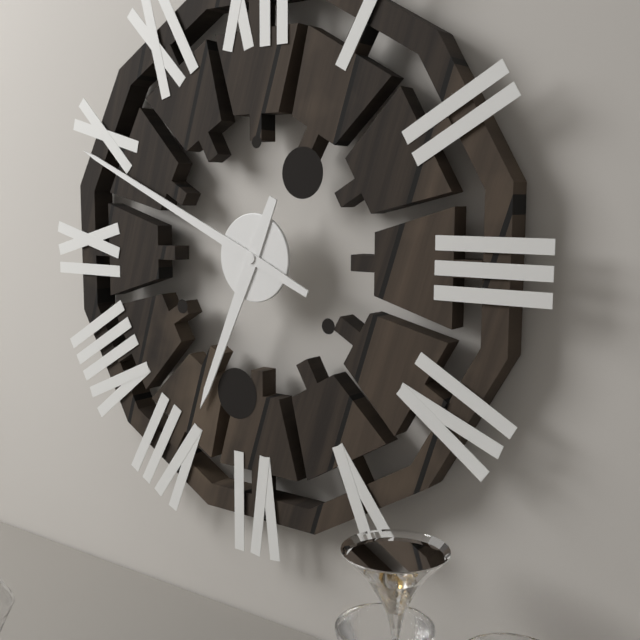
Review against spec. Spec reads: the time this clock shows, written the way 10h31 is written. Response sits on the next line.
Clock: 6h49
